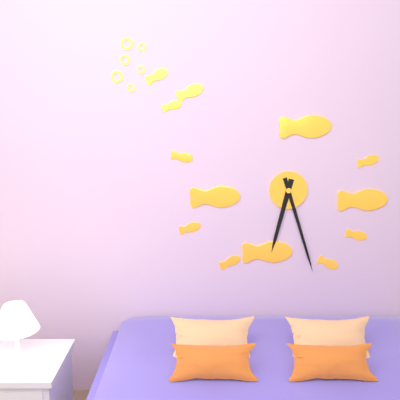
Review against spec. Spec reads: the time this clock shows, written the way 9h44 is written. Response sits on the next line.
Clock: 6h27
